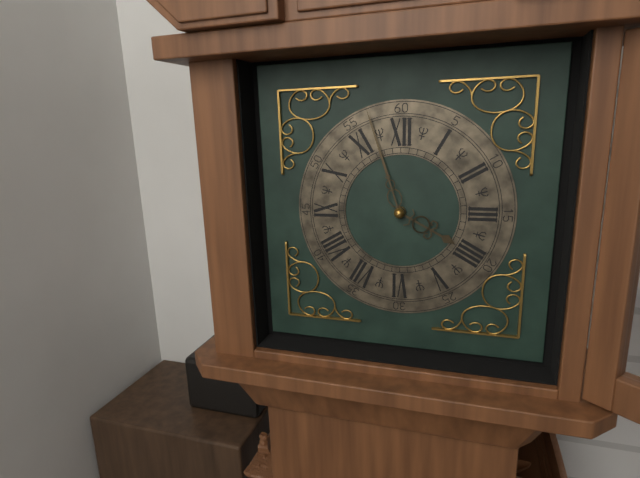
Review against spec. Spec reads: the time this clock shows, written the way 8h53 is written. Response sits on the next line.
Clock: 3h57
